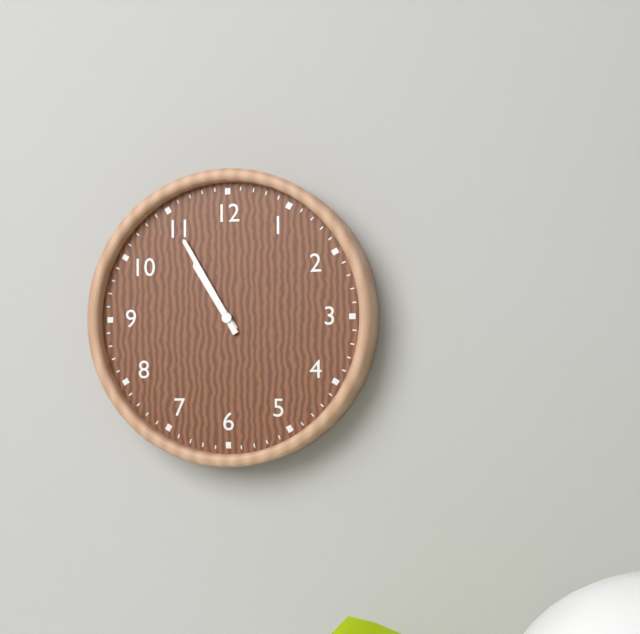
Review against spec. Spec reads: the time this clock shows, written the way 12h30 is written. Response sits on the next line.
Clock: 10h55
